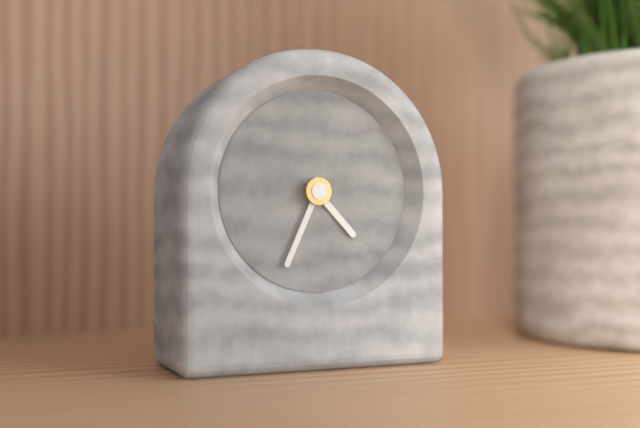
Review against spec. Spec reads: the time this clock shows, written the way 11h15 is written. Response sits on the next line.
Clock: 4h34
